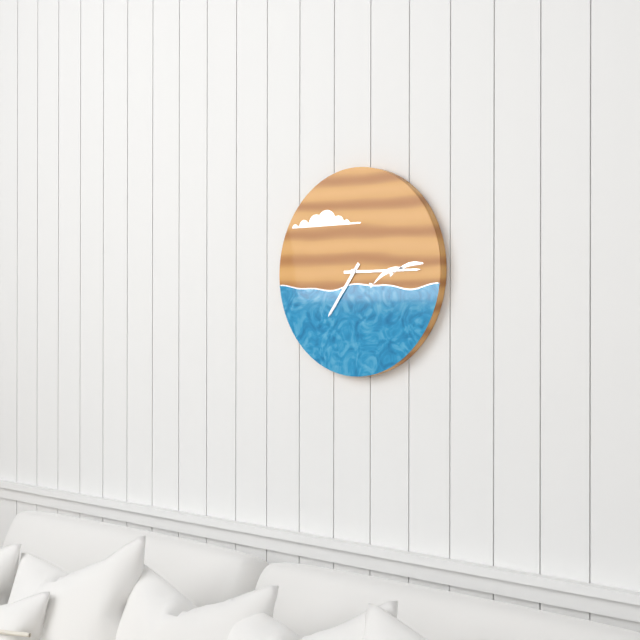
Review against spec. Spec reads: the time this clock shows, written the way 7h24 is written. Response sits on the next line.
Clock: 7h15
